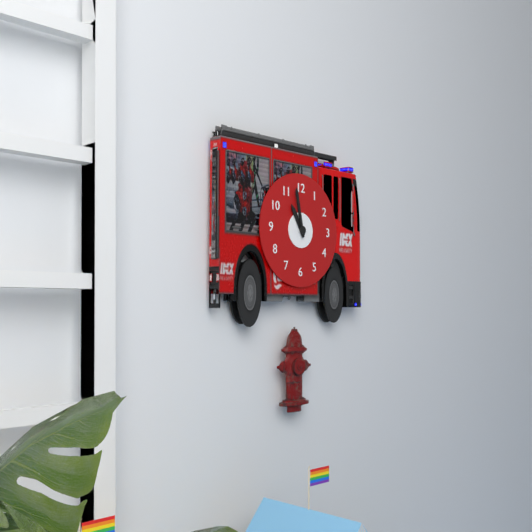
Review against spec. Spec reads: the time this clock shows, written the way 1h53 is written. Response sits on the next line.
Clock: 10h58
